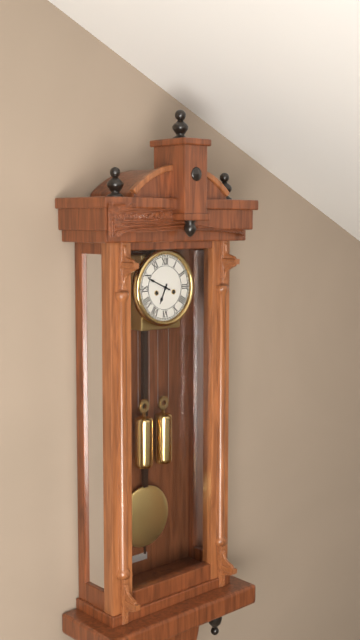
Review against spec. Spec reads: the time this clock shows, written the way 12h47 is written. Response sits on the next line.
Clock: 6h49
